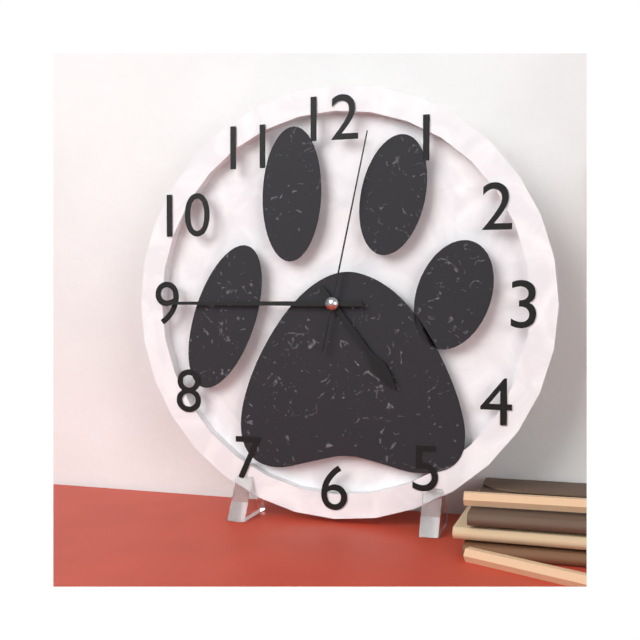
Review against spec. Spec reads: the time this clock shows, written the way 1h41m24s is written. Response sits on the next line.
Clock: 4h45m02s
